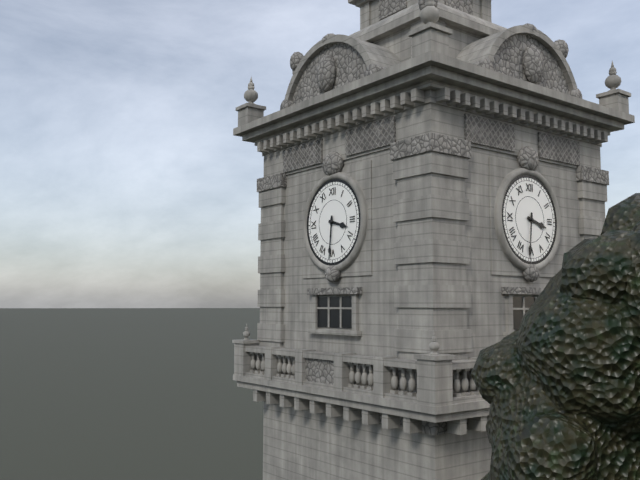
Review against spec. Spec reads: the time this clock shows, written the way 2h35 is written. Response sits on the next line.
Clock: 3h31
